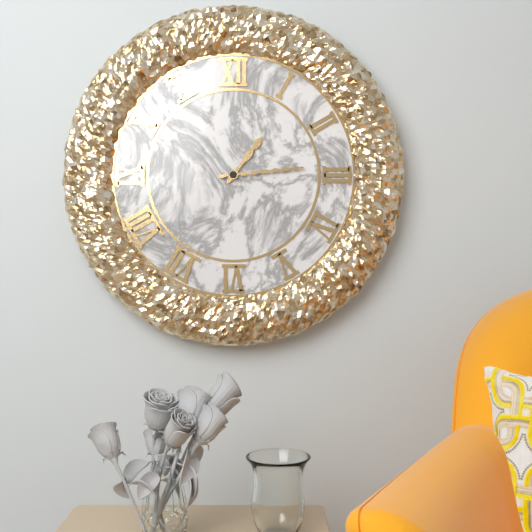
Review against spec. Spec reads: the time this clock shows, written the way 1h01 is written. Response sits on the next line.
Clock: 1h14
